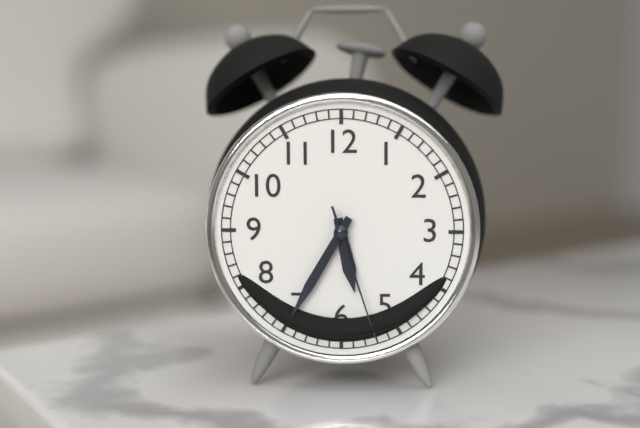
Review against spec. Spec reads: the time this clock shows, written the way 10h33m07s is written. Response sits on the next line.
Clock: 5h35m27s
